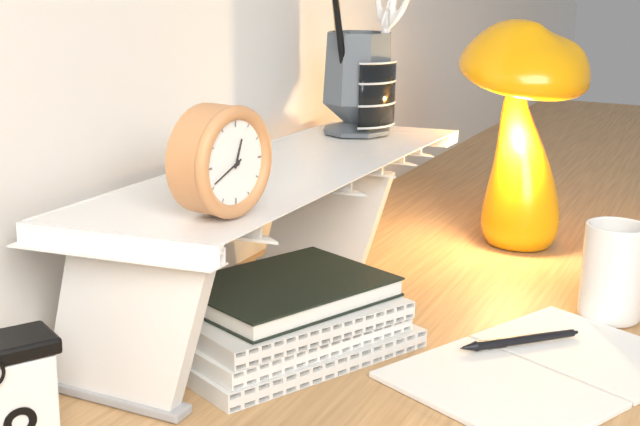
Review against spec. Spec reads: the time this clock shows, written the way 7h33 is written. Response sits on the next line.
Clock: 12h41
